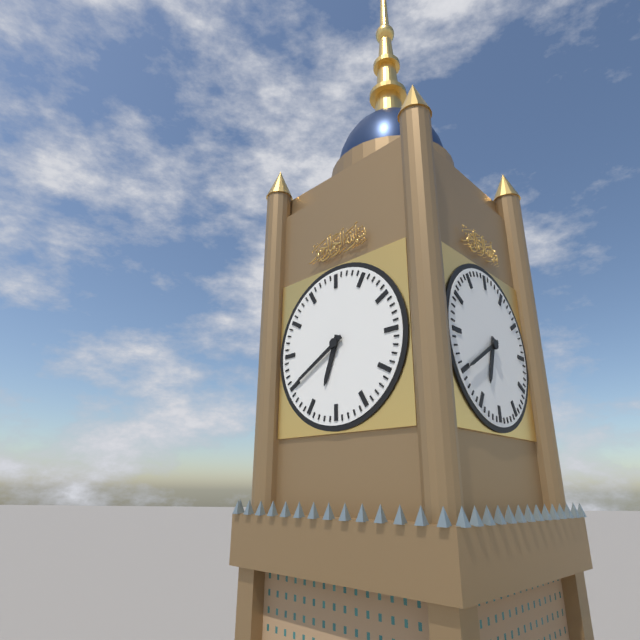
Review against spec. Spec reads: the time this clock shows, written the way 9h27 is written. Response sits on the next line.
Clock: 6h40
